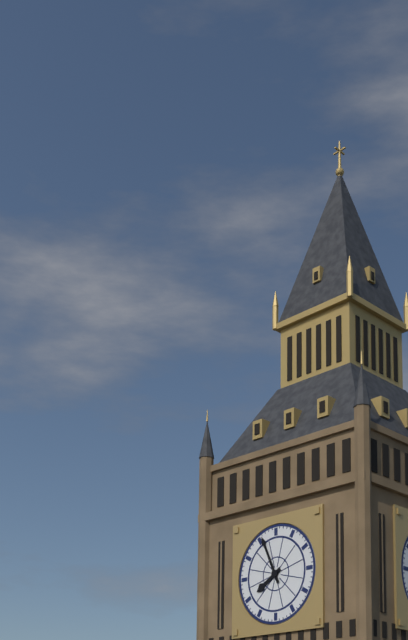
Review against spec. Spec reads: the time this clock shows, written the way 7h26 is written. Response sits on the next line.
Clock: 7h56
